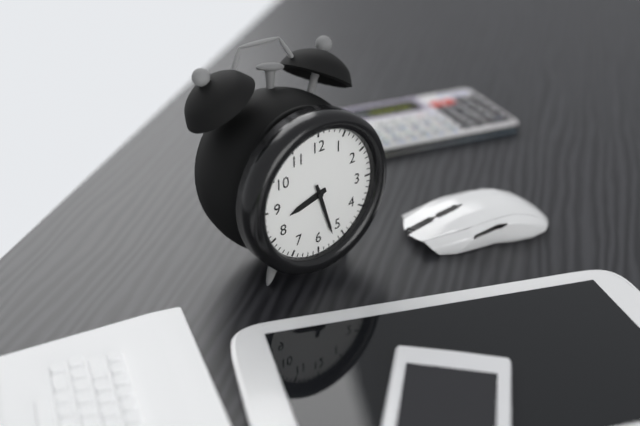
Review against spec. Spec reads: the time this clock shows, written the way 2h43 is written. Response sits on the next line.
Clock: 8h27
